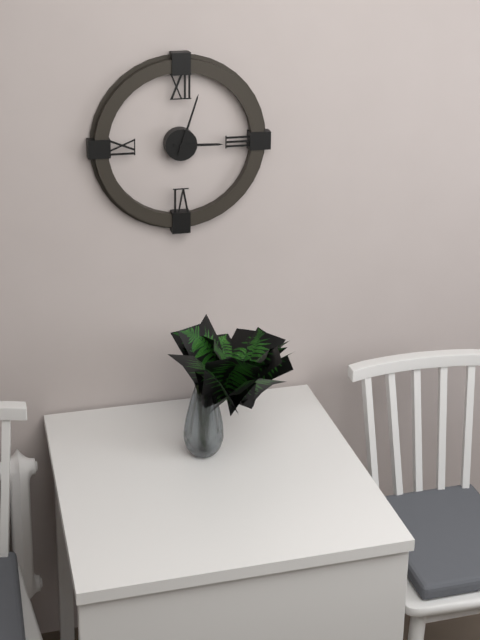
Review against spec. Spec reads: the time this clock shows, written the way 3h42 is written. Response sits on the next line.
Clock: 3h03
